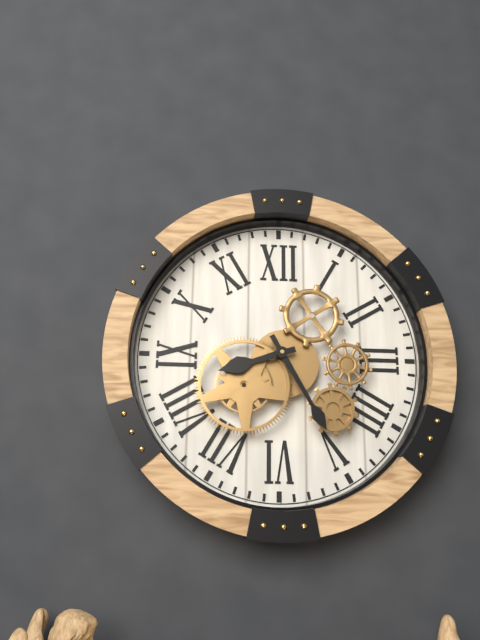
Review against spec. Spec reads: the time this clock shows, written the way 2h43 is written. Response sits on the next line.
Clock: 8h25
